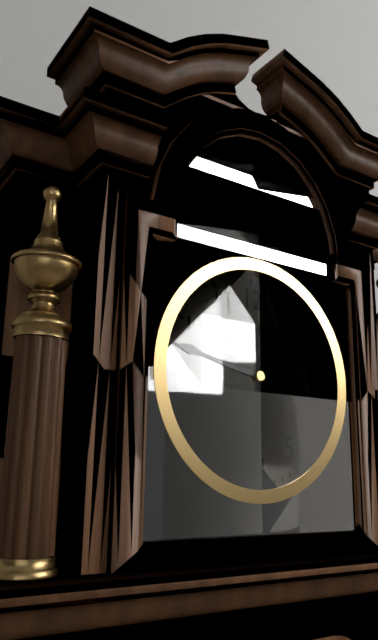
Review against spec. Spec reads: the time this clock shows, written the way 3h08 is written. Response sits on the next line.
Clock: 7h47
